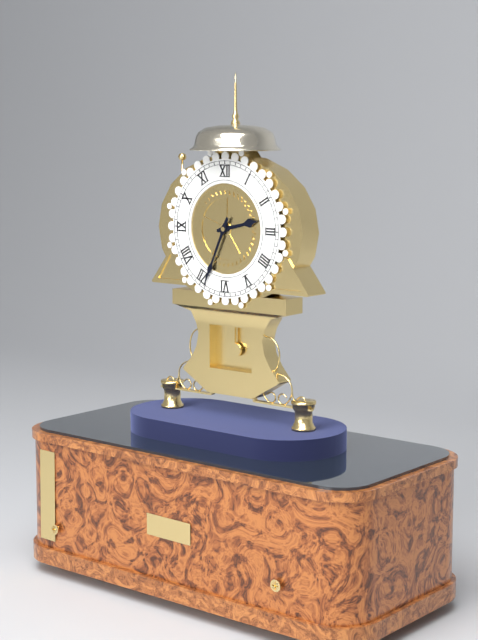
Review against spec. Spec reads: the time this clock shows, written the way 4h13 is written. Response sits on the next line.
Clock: 2h34
